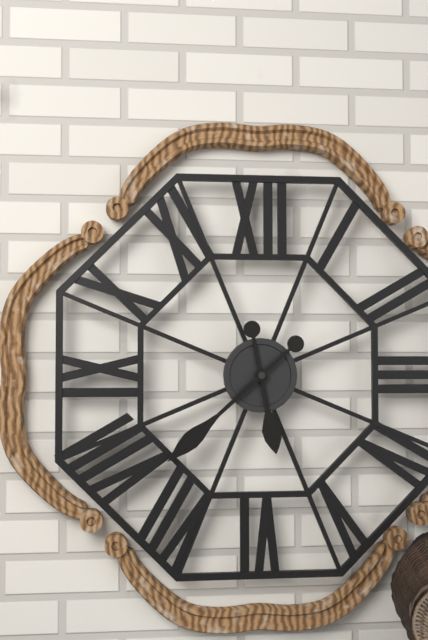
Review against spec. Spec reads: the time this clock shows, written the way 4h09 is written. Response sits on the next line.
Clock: 5h38
